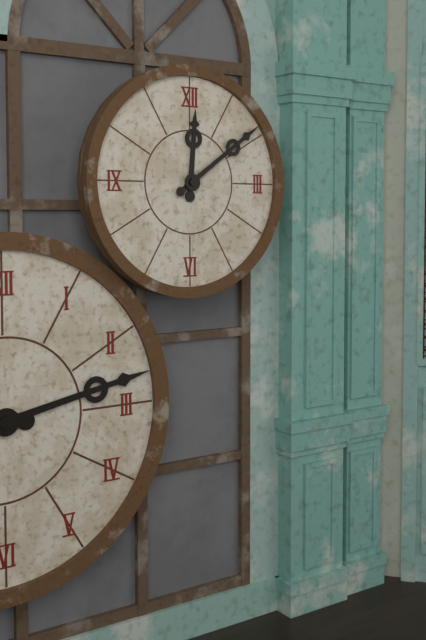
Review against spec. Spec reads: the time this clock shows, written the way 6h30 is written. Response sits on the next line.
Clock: 12h09
